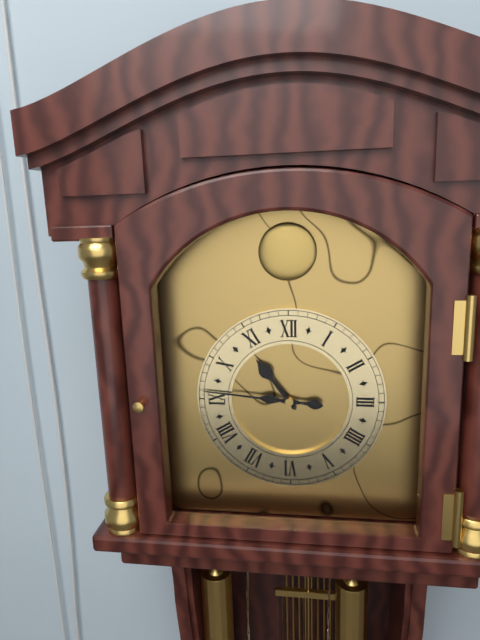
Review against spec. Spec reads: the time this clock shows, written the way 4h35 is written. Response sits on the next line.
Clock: 10h46
